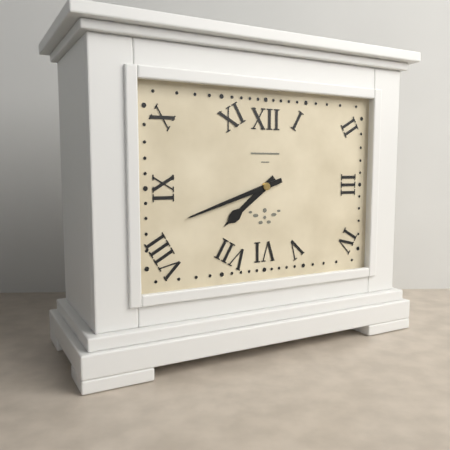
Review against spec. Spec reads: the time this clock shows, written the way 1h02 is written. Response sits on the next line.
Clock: 7h42
